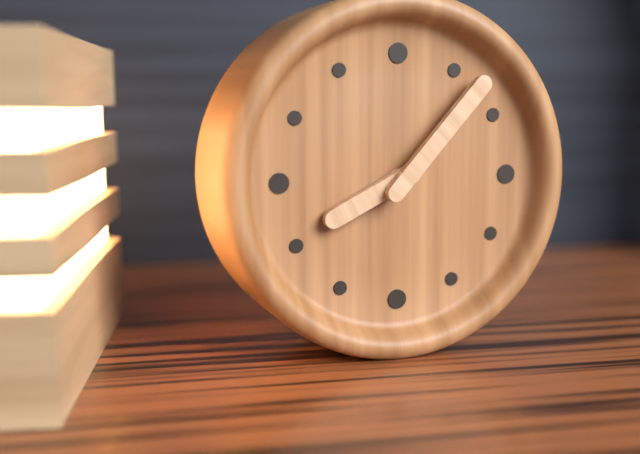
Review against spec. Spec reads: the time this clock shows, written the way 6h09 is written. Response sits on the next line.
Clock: 8h07
